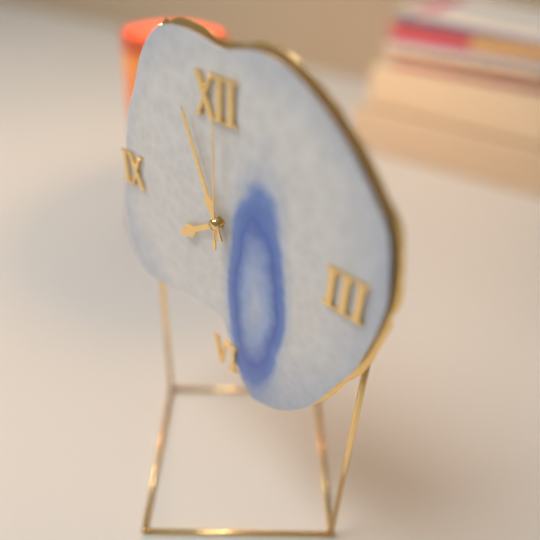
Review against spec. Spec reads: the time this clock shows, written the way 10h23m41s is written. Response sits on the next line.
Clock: 7h56m00s
